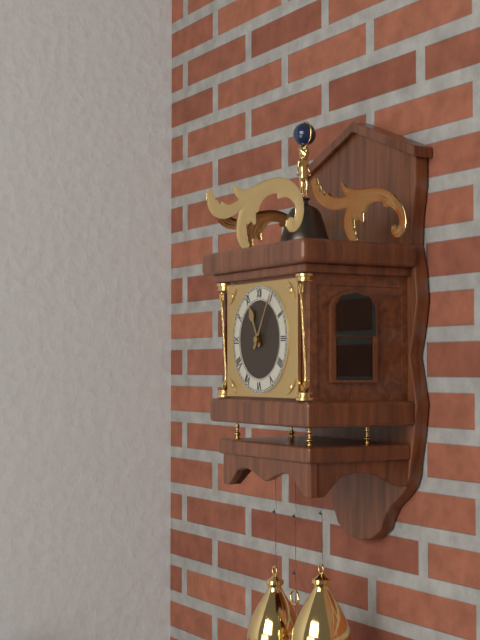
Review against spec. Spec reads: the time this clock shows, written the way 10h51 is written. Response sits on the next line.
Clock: 11h05
